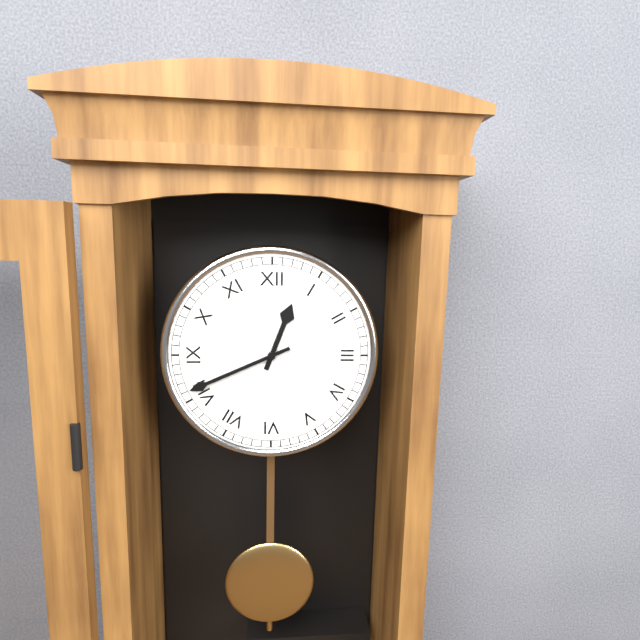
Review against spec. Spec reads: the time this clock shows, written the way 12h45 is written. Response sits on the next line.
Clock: 12h41
